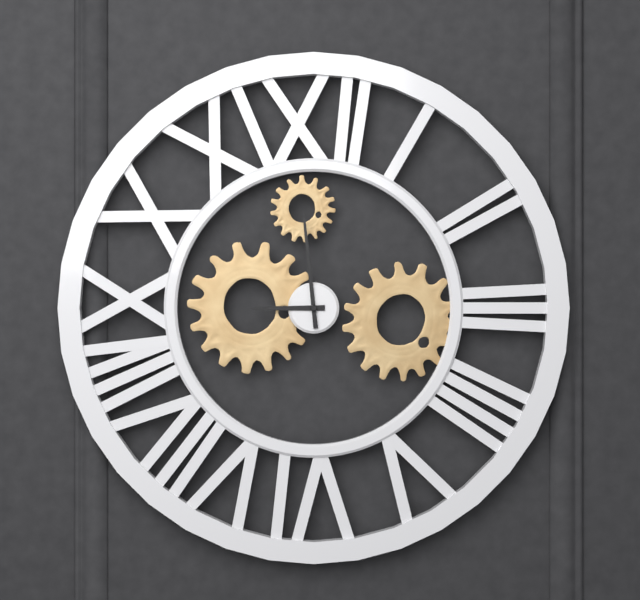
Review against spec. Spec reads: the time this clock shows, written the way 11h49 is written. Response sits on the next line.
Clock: 8h59
